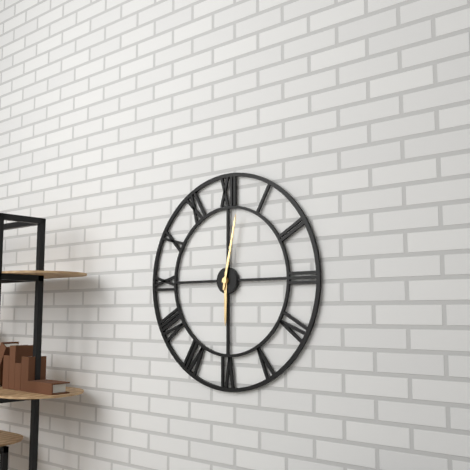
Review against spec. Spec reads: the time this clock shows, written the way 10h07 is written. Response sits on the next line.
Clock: 6h02
